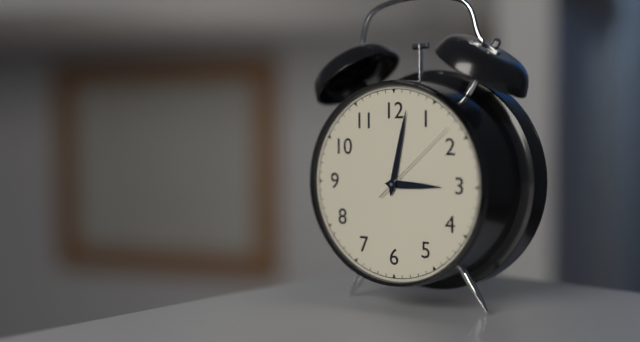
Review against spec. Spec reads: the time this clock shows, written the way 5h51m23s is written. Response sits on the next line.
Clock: 3h02m08s
